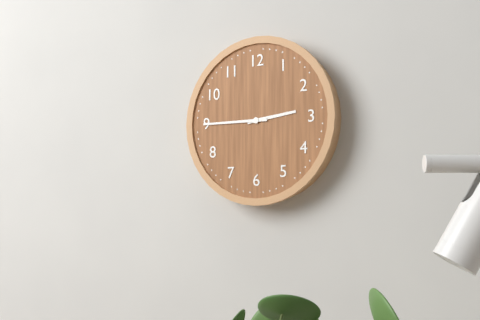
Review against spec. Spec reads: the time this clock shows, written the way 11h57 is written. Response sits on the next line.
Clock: 2h45
